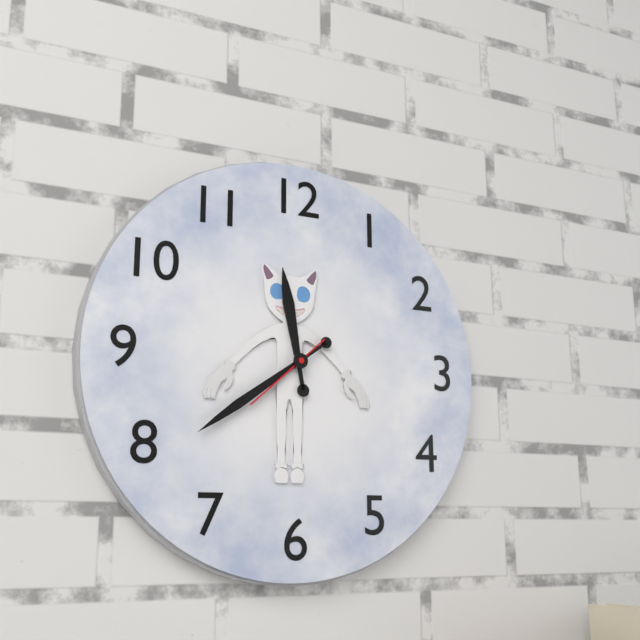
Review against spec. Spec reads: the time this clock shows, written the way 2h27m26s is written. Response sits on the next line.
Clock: 11h39m38s
